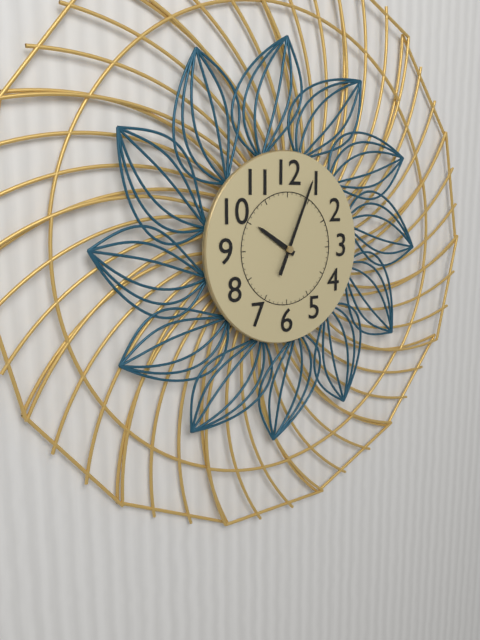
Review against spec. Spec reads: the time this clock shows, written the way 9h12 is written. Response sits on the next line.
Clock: 10h04
